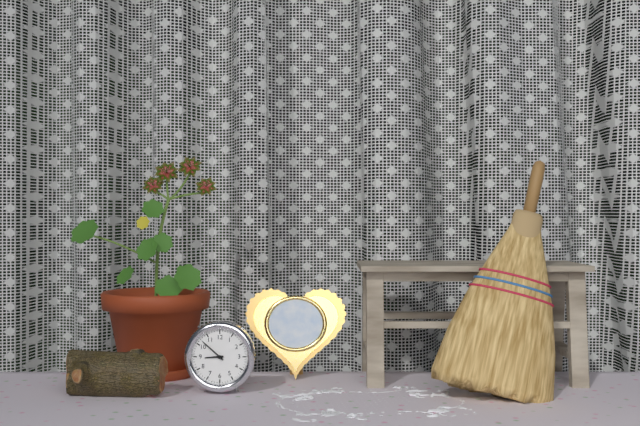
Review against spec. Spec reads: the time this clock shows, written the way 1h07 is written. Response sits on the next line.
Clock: 8h52
